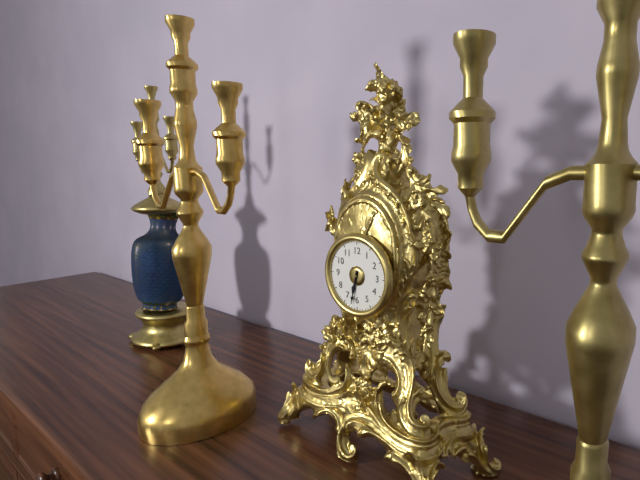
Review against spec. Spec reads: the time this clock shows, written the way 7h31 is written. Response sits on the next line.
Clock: 6h32
